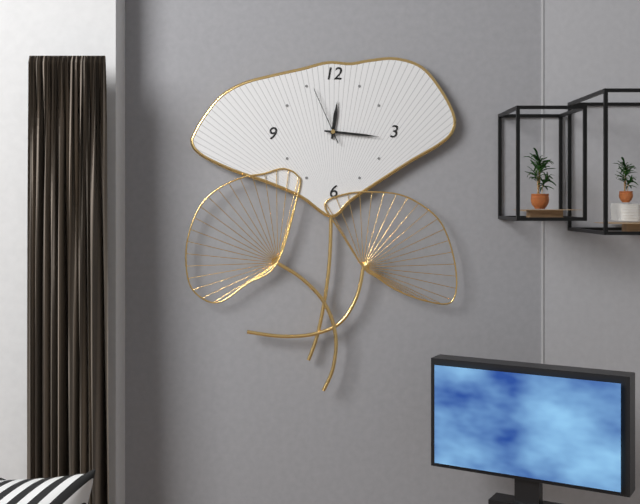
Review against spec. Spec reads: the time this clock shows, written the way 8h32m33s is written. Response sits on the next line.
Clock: 12h16m56s
